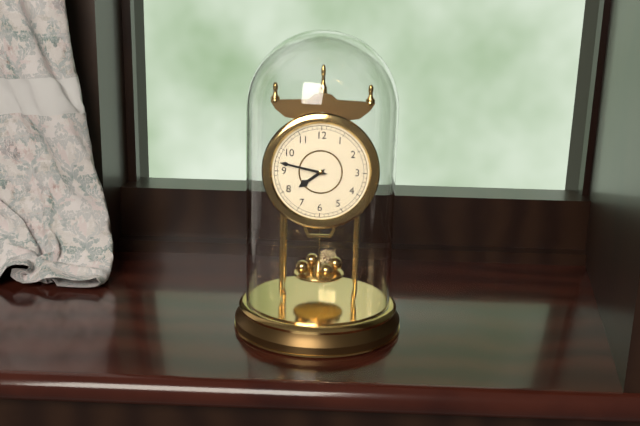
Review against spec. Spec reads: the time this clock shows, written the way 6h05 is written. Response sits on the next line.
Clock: 7h47
